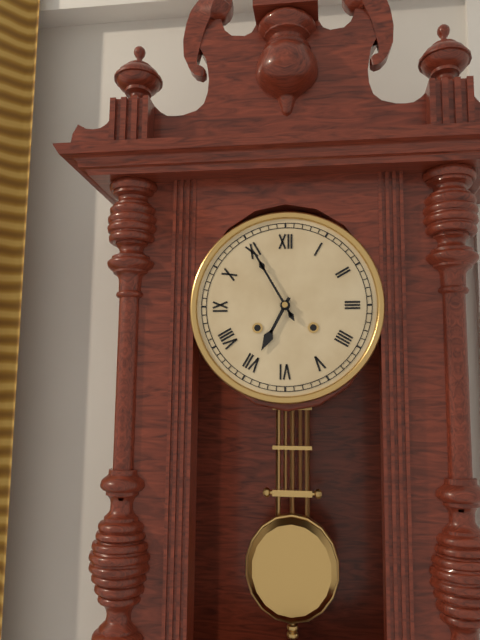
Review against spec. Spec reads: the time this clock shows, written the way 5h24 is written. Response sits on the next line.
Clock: 6h55
